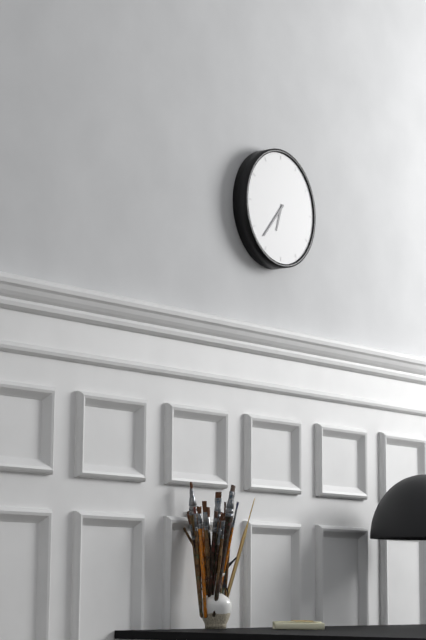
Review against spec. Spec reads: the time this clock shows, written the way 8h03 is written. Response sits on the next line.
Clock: 6h37
